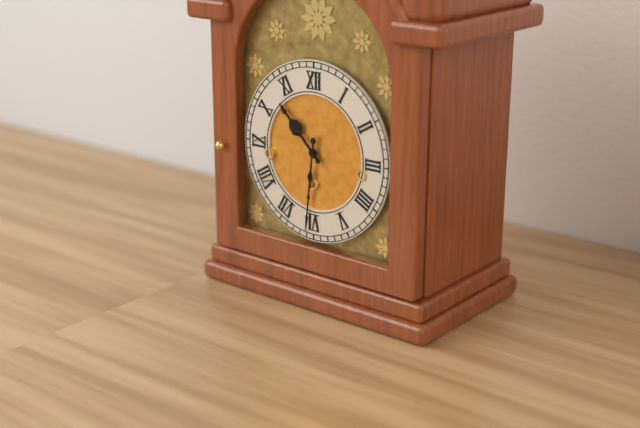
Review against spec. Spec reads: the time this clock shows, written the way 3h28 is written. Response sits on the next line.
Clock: 10h31
